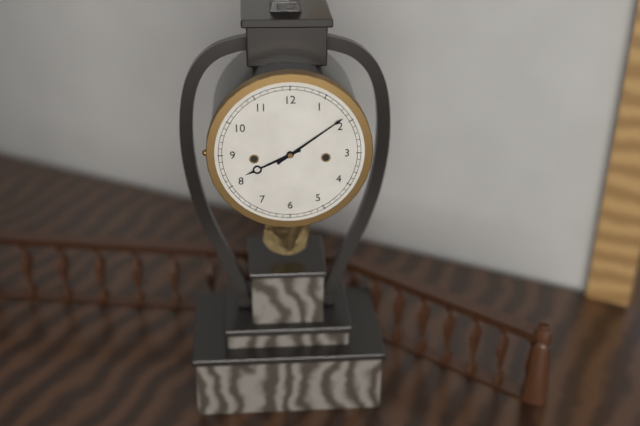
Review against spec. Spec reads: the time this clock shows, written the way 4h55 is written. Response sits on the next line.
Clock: 8h09
